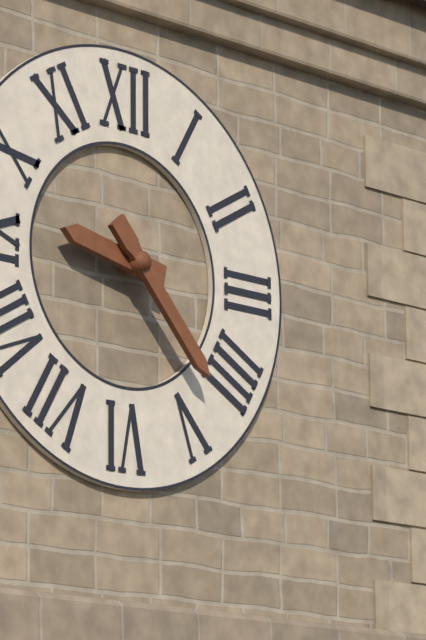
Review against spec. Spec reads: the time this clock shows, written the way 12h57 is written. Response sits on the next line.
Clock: 9h23
